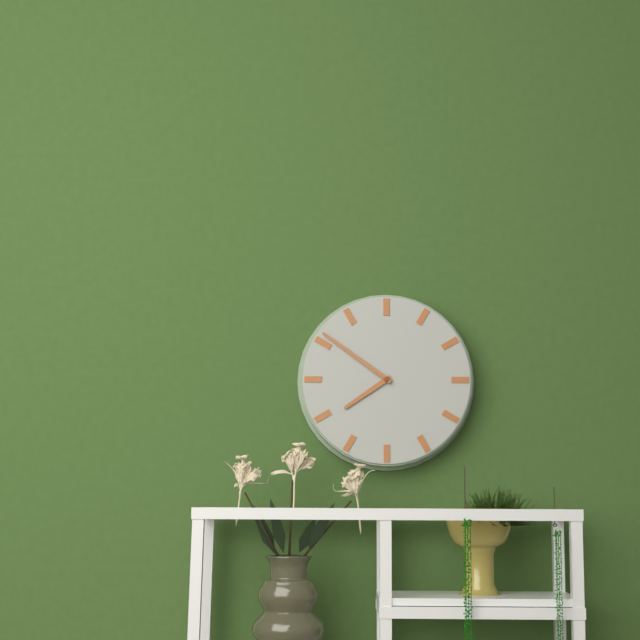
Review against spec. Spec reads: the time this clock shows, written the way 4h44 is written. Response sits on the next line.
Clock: 7h51
